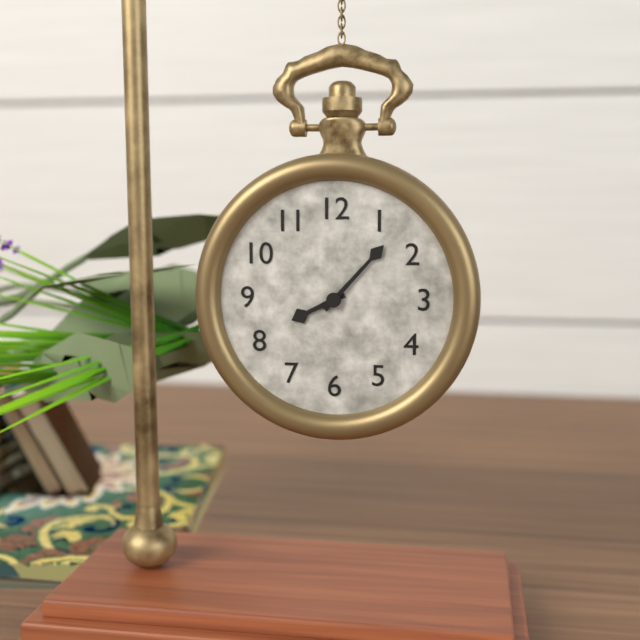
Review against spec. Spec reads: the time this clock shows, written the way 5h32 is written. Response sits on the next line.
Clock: 8h07
